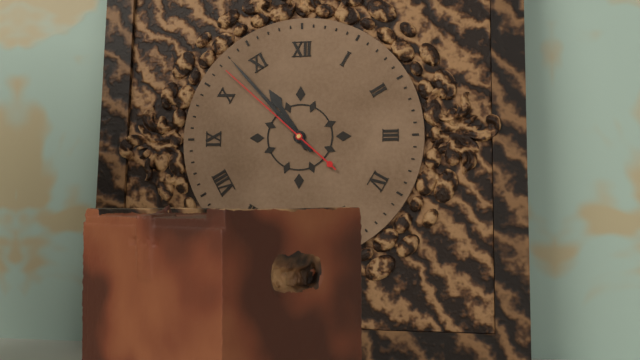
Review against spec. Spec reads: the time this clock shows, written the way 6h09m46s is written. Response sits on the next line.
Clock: 10h53m52s
